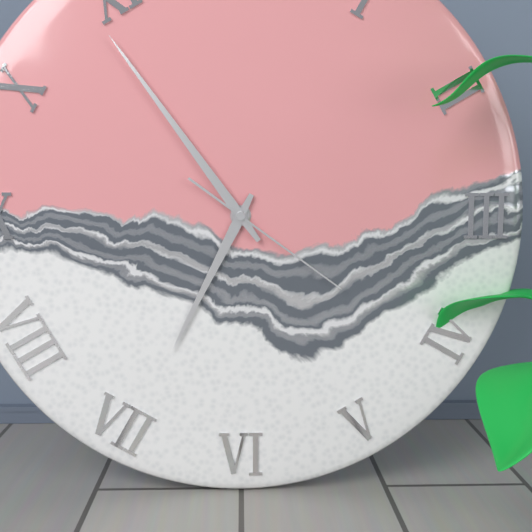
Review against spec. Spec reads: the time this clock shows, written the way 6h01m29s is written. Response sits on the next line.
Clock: 6h54m21s
